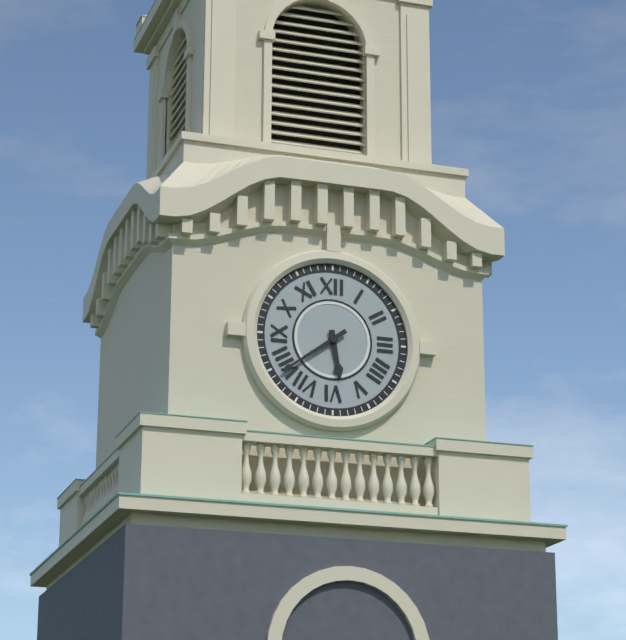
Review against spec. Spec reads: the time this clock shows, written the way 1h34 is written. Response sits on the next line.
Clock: 5h39
